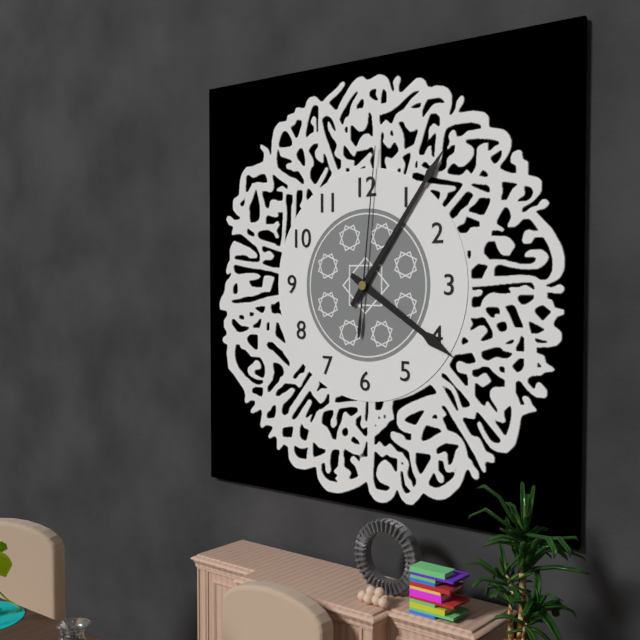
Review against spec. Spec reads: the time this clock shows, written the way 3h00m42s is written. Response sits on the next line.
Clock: 4h06m01s
